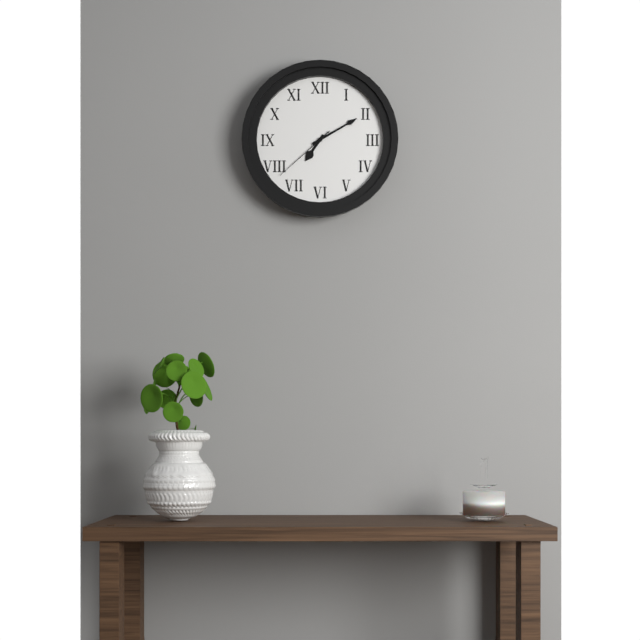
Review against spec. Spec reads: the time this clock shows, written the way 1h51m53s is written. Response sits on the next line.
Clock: 7h10m38s
